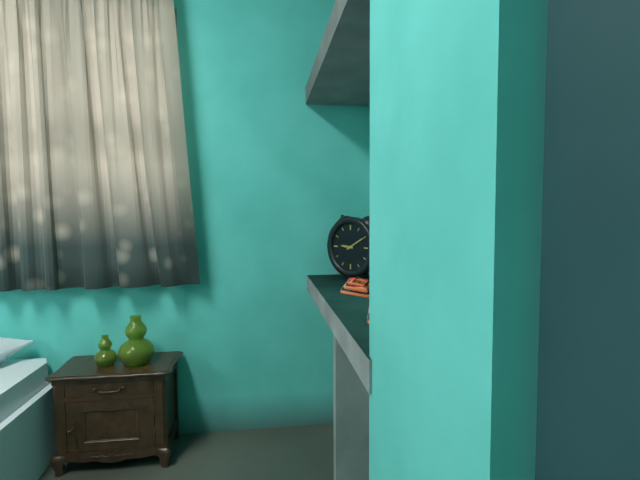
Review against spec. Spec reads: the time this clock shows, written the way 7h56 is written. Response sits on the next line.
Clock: 9h10
